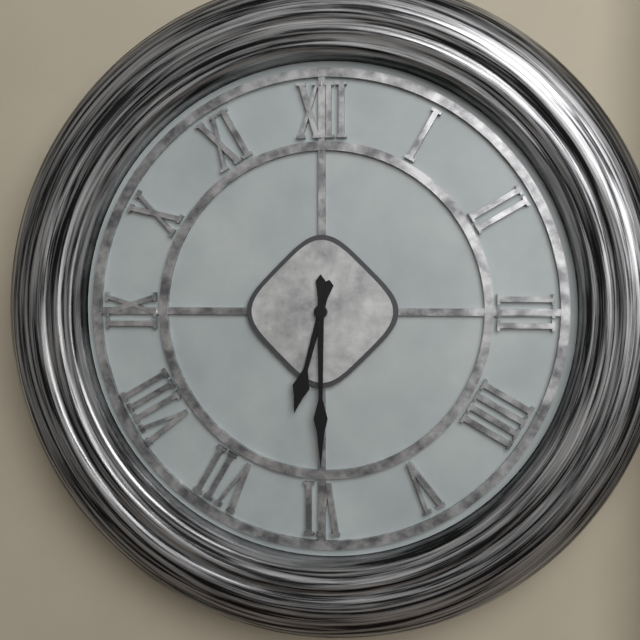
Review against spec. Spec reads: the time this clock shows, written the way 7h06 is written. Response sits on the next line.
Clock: 6h30
